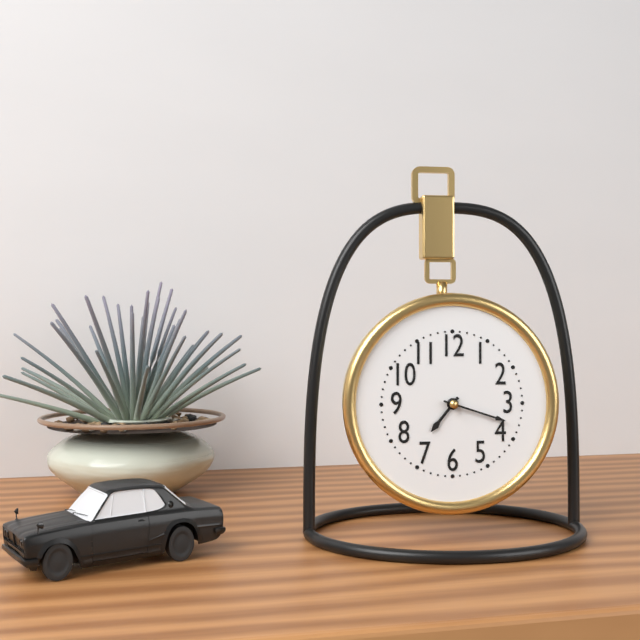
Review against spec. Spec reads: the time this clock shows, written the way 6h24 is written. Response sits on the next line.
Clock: 7h18
